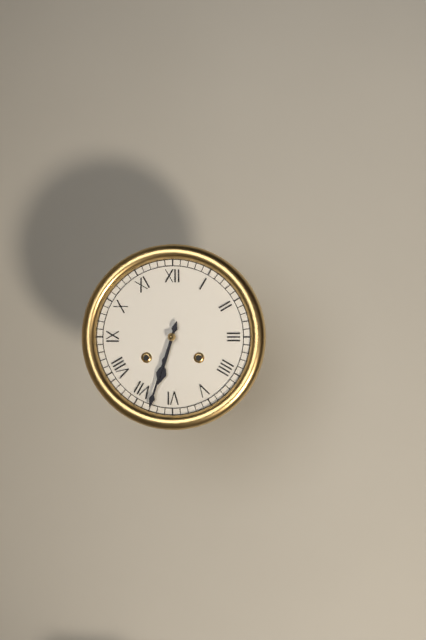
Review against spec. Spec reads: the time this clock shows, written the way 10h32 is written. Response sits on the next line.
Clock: 6h33
